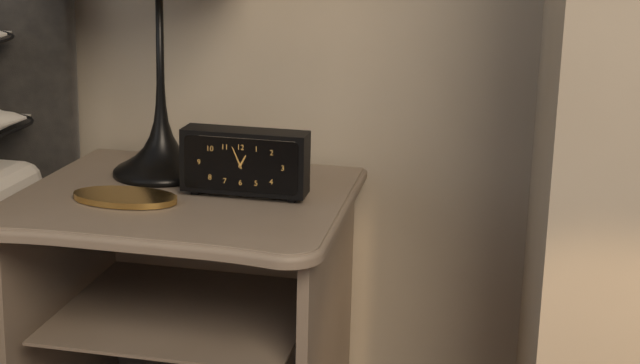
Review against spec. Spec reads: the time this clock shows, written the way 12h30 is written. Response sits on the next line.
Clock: 12h56
